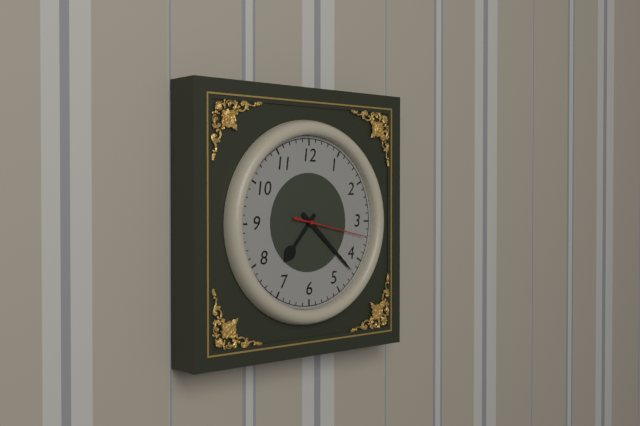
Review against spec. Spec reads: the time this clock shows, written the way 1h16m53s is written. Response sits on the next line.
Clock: 7h22m17s
